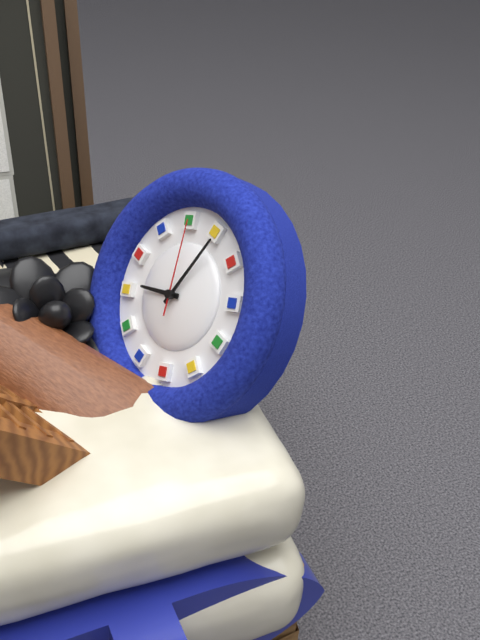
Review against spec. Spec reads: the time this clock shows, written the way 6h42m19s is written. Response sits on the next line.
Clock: 10h11m06s
